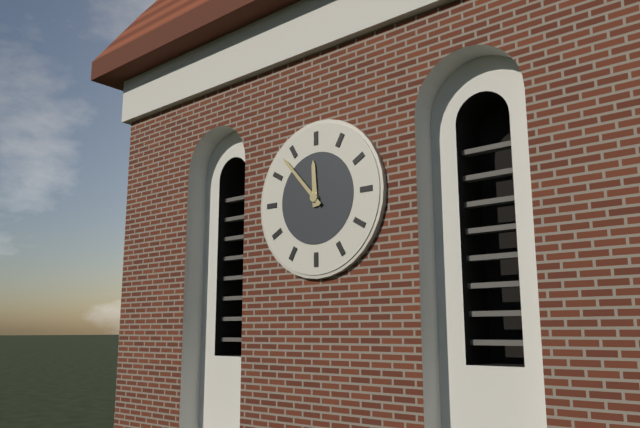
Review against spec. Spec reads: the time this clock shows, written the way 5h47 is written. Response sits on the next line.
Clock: 11h53
